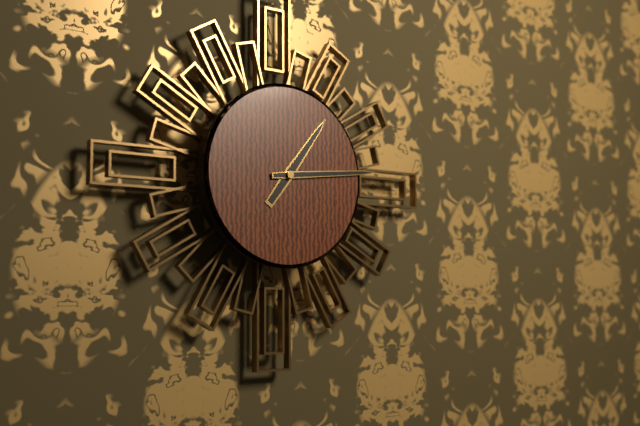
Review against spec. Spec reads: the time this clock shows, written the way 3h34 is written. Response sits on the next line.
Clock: 1h14
